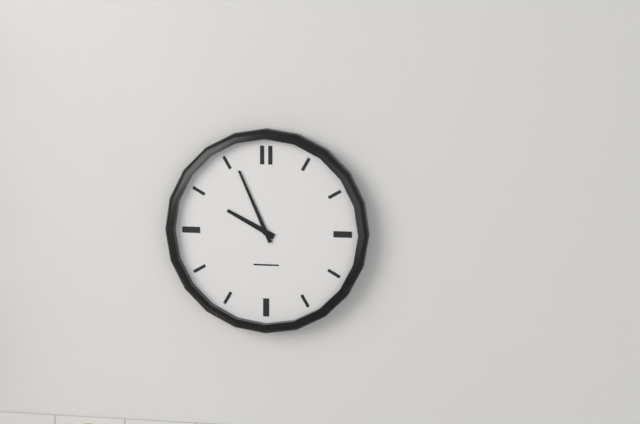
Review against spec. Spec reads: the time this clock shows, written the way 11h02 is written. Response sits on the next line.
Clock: 9h56
